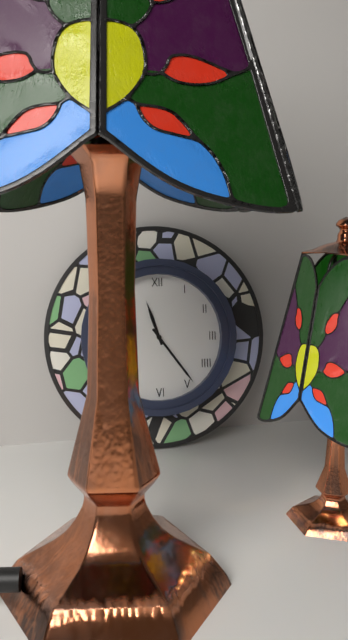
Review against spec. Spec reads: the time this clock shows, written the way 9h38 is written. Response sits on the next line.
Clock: 11h24
